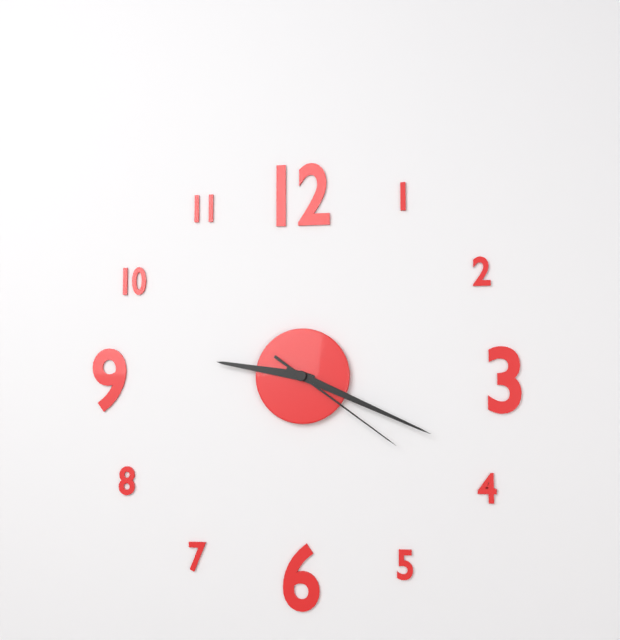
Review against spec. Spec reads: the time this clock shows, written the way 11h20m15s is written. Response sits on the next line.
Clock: 9h19m21s
